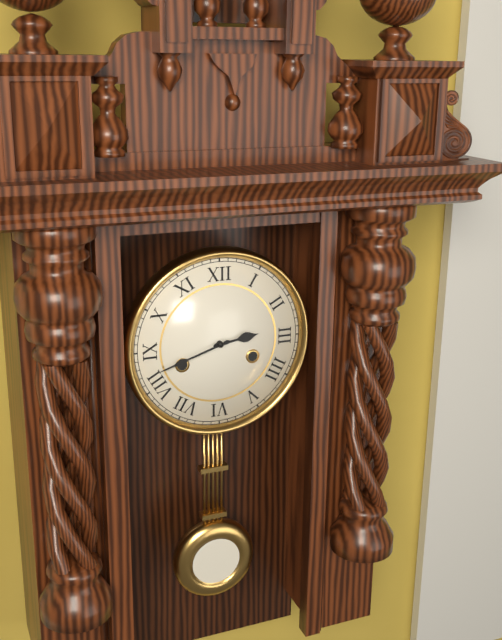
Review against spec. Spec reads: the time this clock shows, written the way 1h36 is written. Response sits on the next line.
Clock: 2h42
